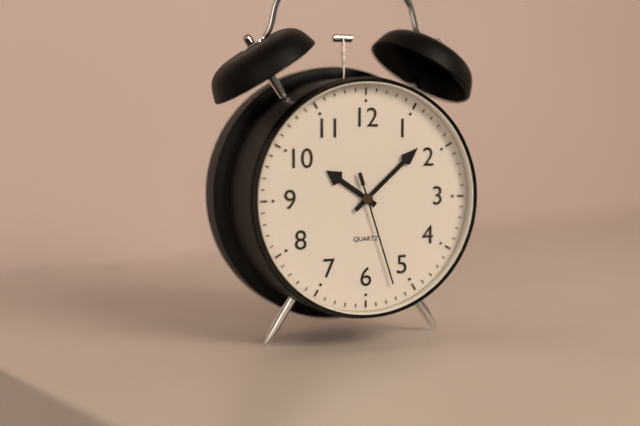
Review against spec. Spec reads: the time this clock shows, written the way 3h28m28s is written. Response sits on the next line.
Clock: 10h08m27s
